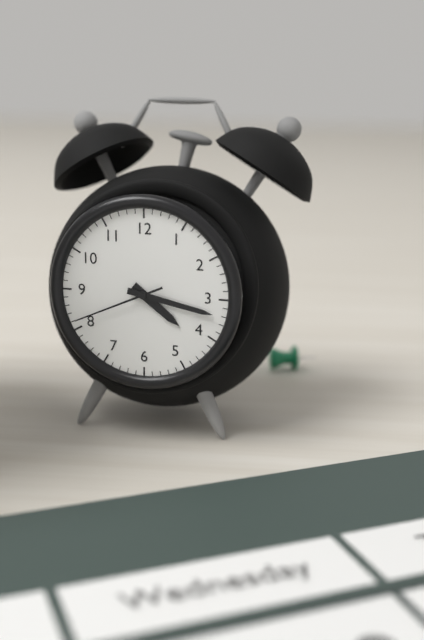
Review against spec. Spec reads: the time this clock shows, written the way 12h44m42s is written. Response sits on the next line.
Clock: 4h17m41s
